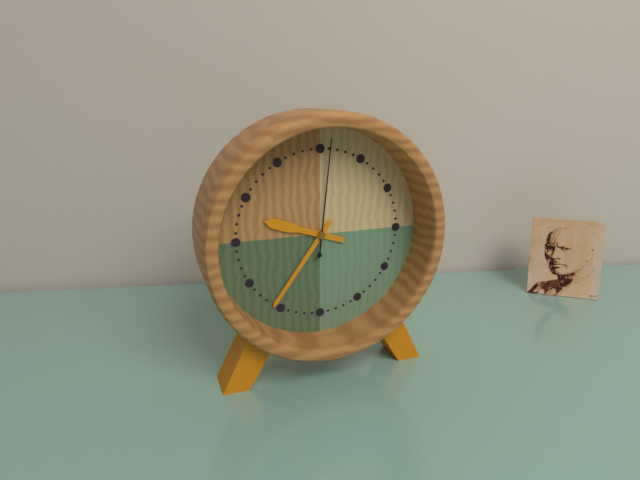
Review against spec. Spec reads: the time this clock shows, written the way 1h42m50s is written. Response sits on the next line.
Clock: 9h36m01s
